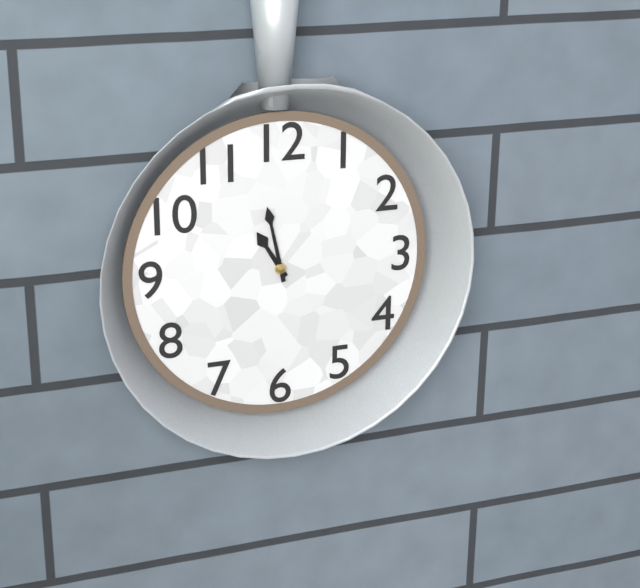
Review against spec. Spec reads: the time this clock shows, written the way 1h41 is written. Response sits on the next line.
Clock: 10h58
